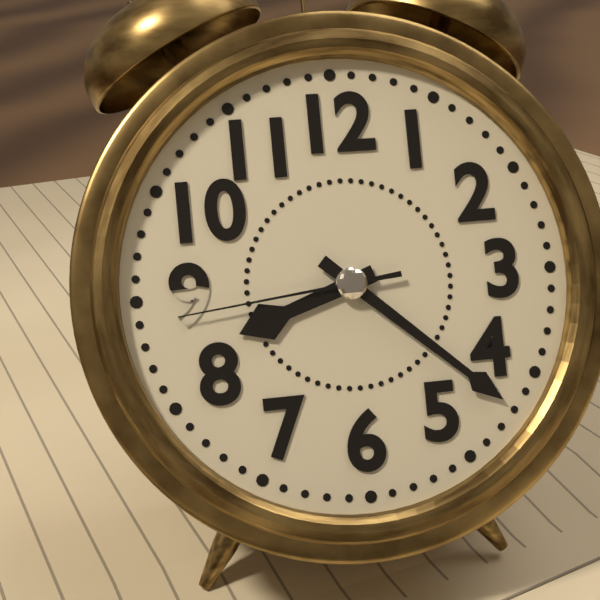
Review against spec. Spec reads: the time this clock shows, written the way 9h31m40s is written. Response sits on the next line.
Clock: 8h22m44s
